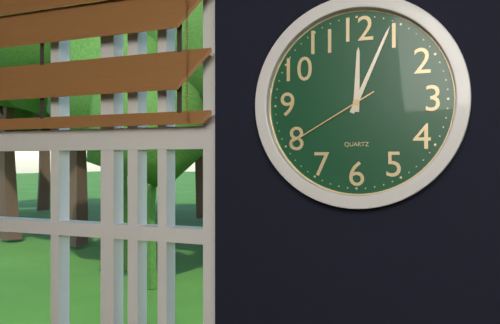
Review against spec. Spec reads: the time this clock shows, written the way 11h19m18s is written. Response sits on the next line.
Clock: 12h04m40s
